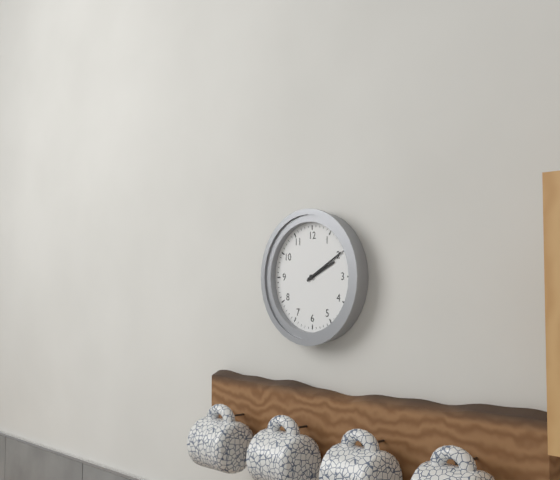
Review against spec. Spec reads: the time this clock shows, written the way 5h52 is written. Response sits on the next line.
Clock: 2h10
